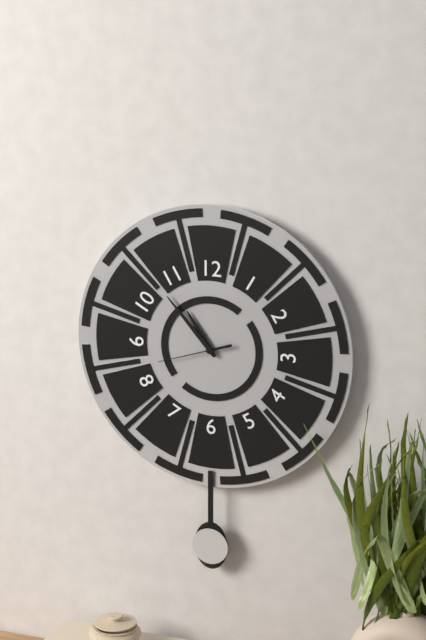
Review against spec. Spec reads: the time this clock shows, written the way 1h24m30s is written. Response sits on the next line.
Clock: 10h53m42s
